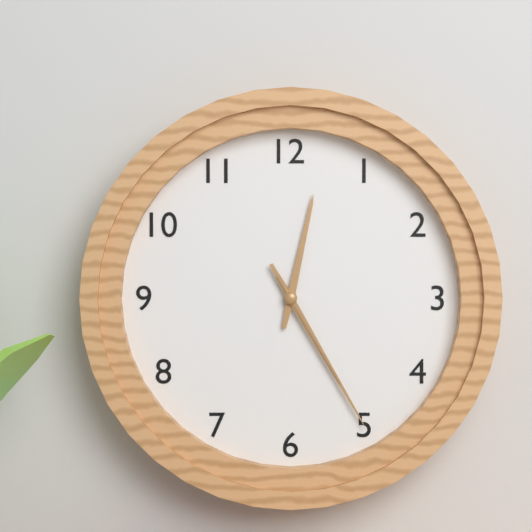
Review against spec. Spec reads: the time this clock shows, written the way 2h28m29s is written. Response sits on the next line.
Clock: 12h25m25s
